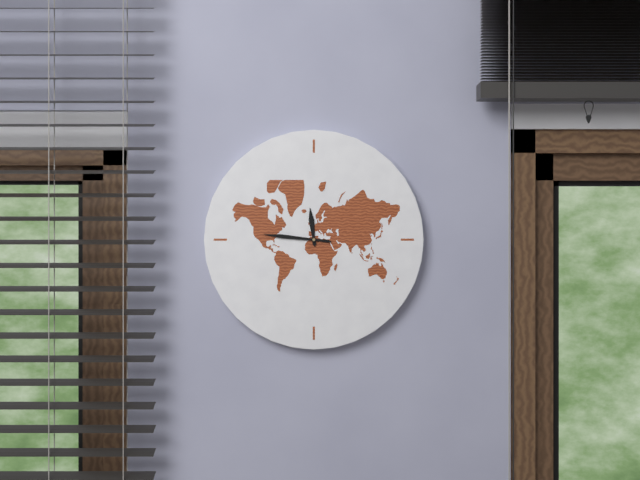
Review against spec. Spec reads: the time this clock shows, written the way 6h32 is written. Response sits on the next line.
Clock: 11h46
